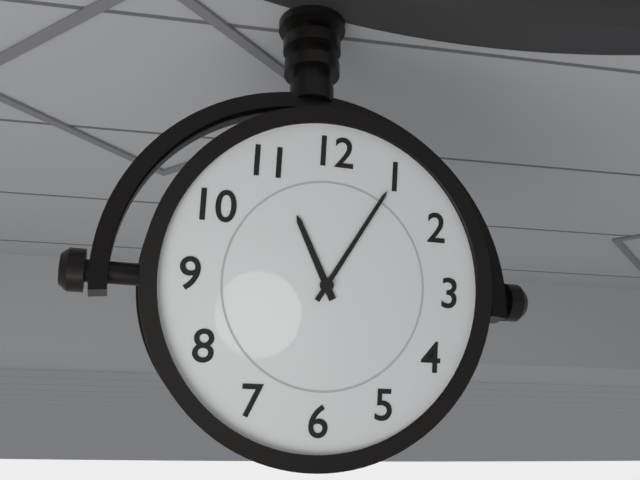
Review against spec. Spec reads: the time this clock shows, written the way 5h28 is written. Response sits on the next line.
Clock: 11h05
